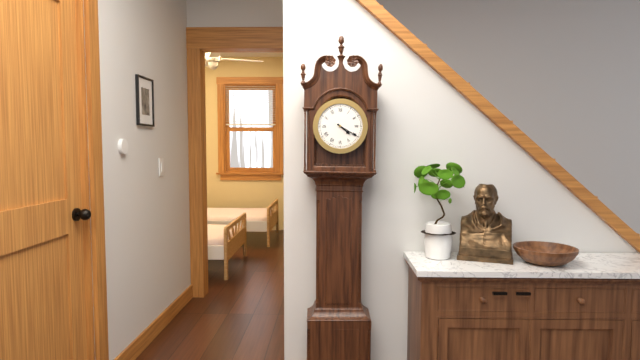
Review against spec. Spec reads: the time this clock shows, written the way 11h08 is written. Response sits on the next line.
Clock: 4h20
